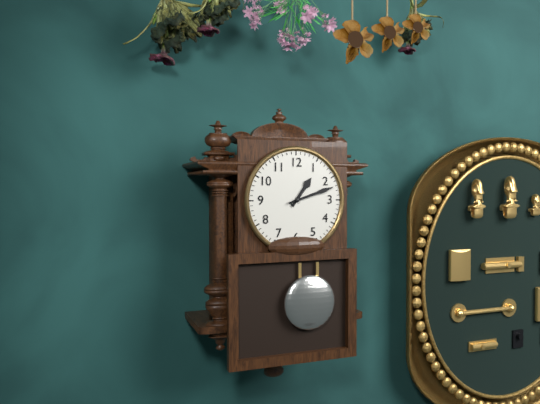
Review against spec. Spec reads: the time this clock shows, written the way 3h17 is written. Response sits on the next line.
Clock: 1h12
